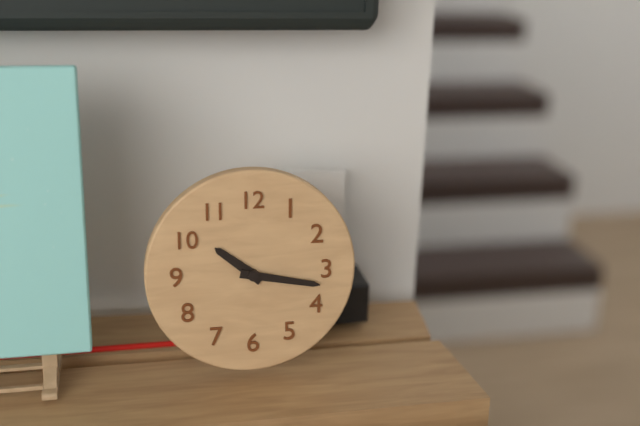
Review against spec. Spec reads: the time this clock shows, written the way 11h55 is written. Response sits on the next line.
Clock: 10h17
